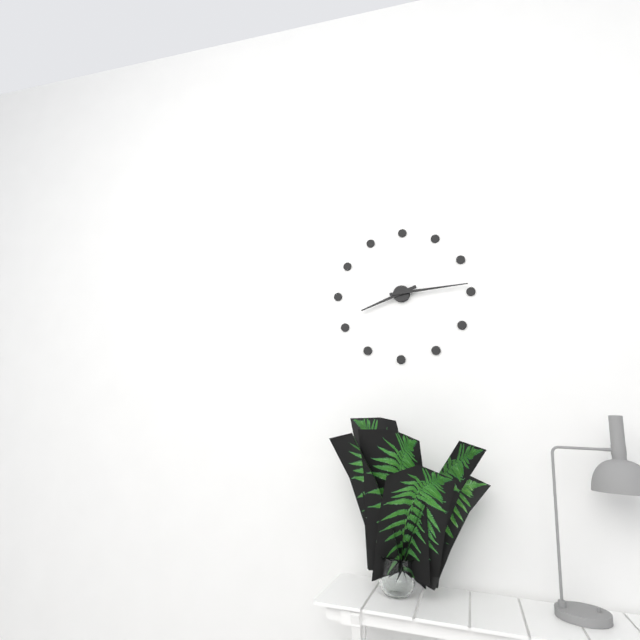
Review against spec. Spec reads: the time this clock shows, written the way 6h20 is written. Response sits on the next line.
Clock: 8h14
